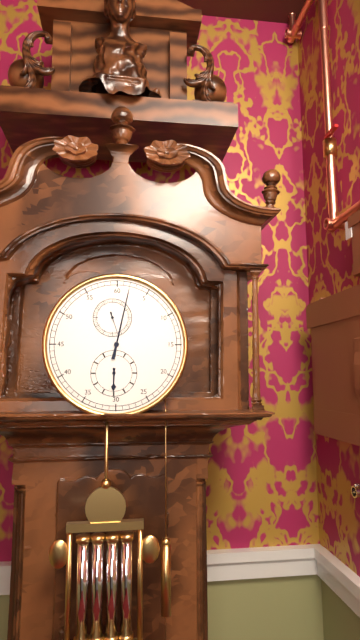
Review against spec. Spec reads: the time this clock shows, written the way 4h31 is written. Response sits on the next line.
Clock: 6h02
